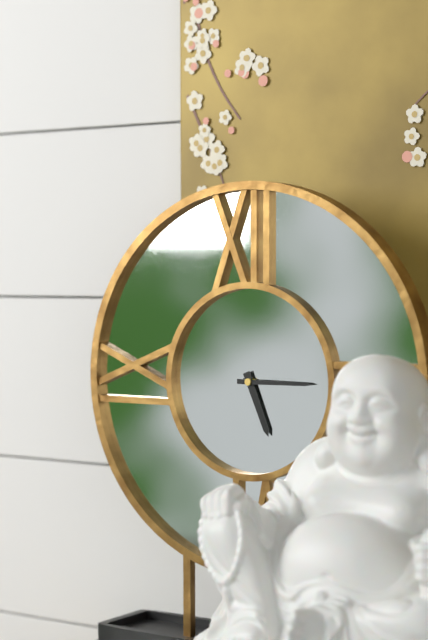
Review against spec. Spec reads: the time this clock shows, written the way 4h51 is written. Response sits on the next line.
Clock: 5h15
